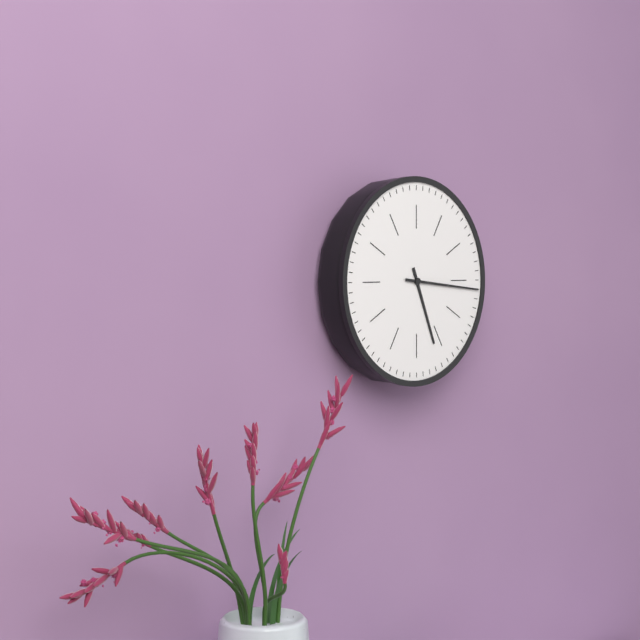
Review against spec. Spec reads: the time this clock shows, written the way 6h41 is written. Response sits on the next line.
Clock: 5h16
